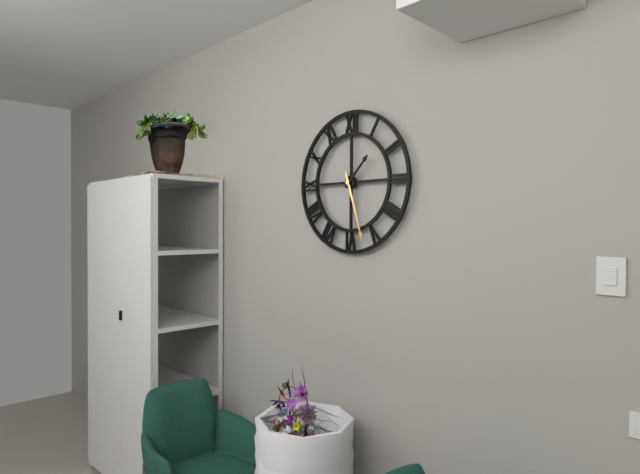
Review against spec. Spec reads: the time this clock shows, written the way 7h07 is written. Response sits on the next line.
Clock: 1h27
